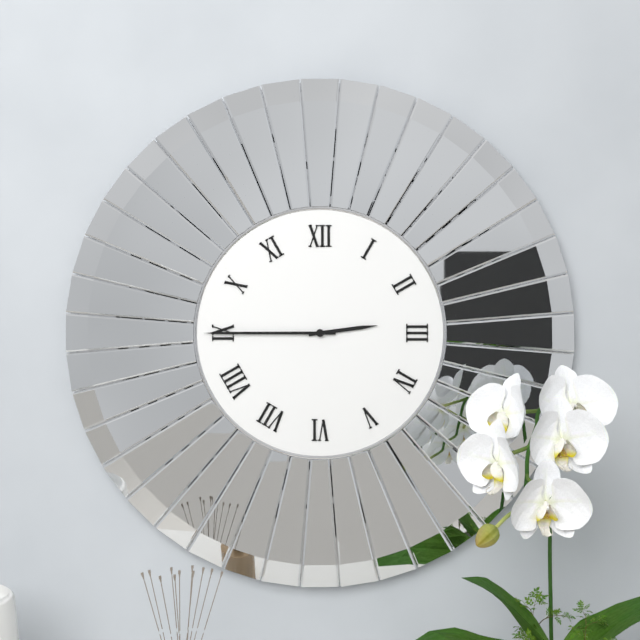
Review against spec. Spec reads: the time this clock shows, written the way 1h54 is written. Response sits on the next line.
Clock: 2h45
